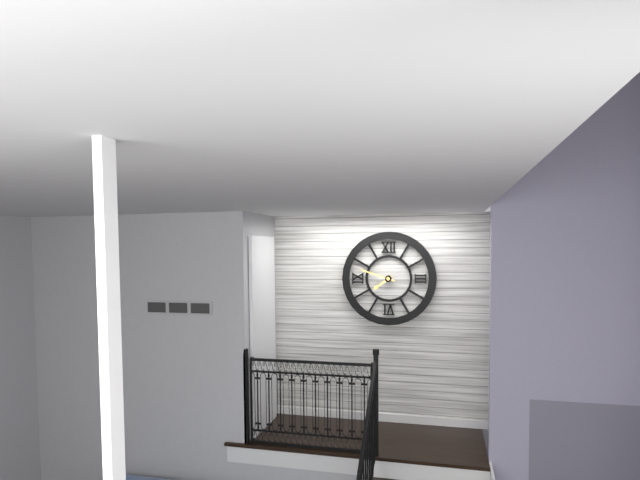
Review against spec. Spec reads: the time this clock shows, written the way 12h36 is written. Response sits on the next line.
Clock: 7h48
